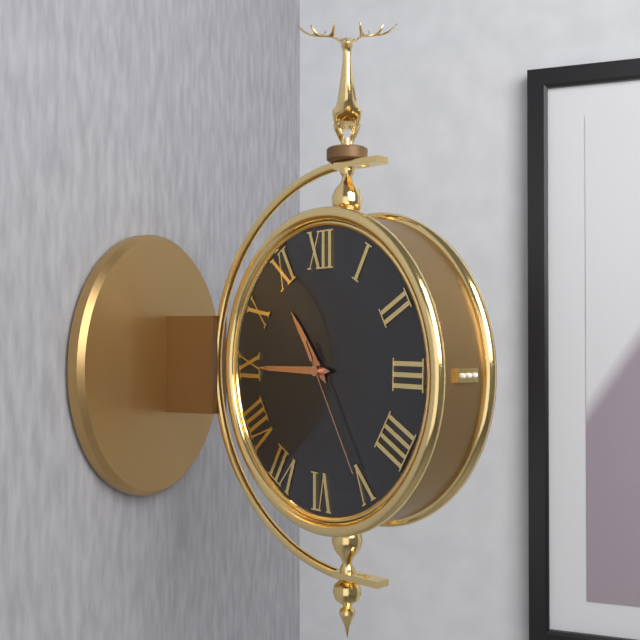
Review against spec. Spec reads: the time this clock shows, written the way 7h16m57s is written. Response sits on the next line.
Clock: 10h45m25s
